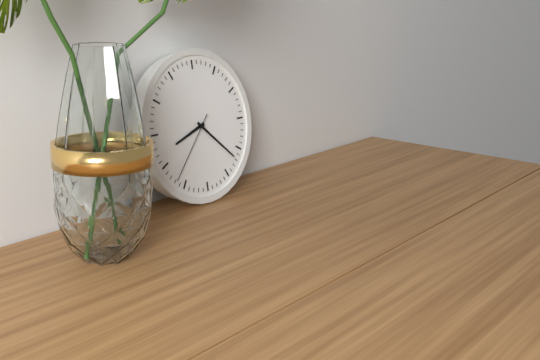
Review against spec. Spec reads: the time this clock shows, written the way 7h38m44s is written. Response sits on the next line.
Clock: 8h22m37s
